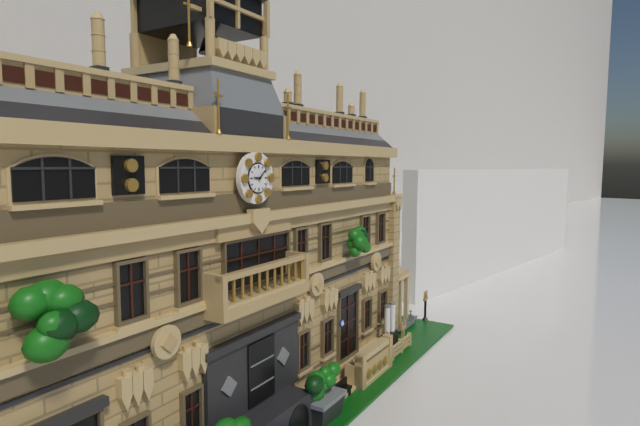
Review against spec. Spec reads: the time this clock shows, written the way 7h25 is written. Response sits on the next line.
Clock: 9h08
